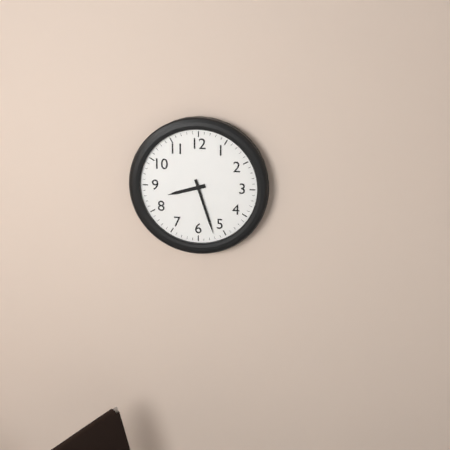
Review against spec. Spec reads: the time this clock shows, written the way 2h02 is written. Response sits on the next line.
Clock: 8h27
